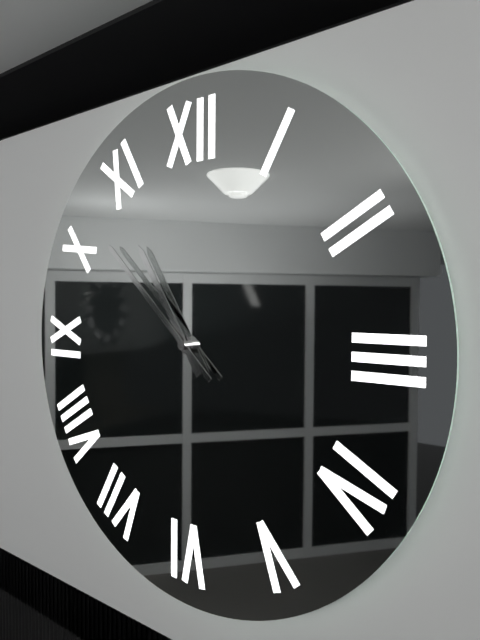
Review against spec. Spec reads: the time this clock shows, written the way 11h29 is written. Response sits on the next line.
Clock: 10h52
